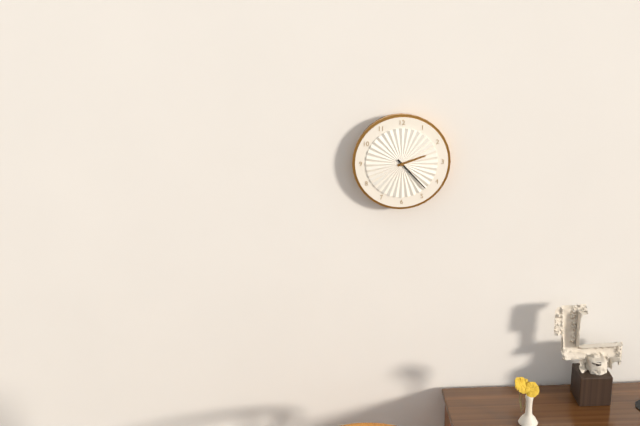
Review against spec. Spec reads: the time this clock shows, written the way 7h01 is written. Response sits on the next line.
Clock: 2h23
